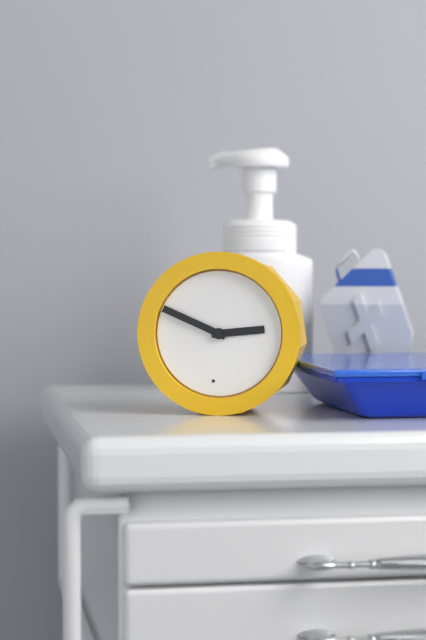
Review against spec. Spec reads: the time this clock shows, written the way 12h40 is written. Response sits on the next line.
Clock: 2h49
